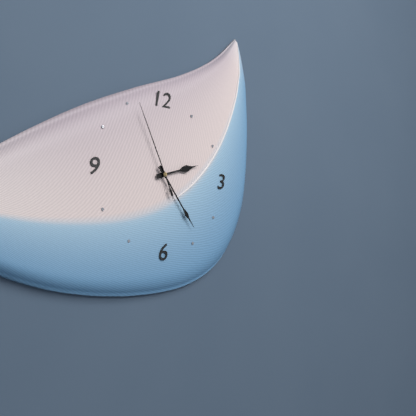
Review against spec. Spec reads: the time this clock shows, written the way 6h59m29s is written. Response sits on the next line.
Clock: 2h24m56s
